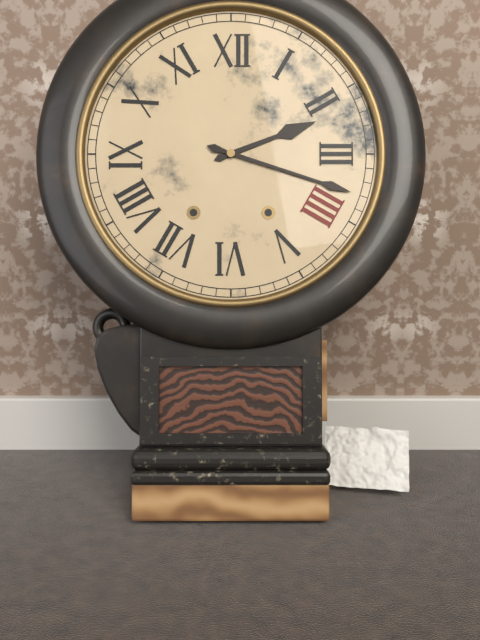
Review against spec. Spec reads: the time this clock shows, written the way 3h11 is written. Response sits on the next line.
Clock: 2h18
